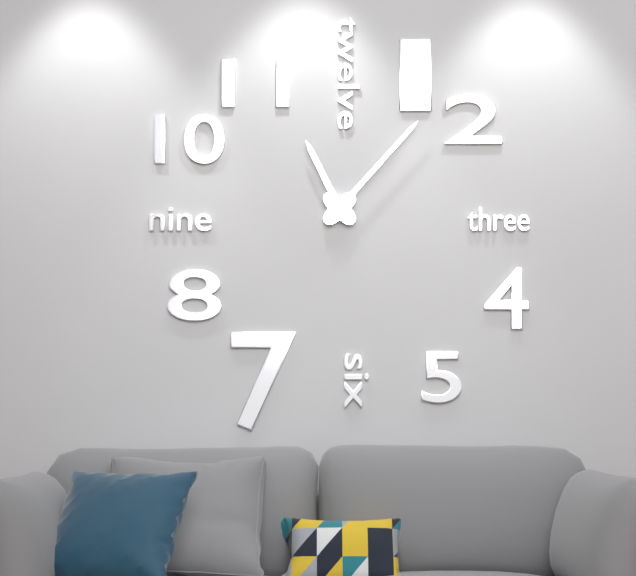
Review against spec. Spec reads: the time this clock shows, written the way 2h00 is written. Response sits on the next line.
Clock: 11h07
